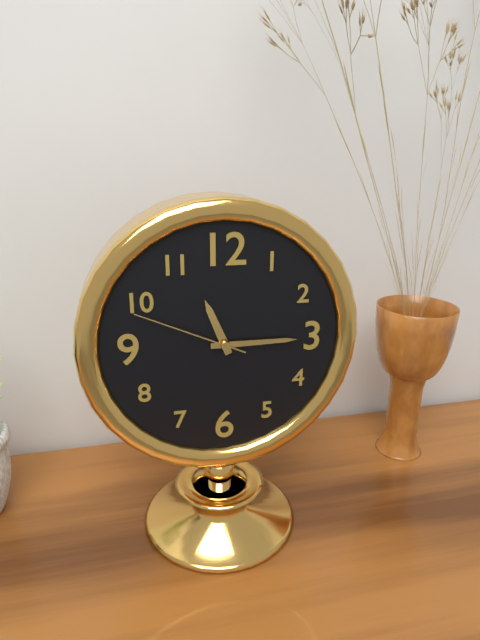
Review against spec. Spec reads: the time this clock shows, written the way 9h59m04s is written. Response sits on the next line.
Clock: 11h15m49s
